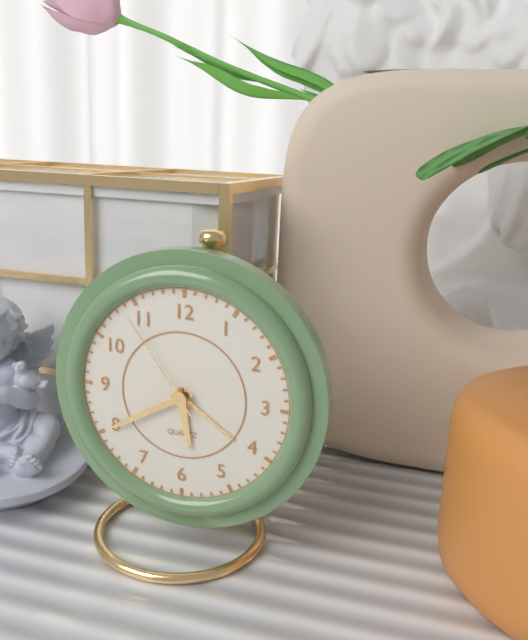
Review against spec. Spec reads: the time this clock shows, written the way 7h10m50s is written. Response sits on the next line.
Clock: 5h40m54s
